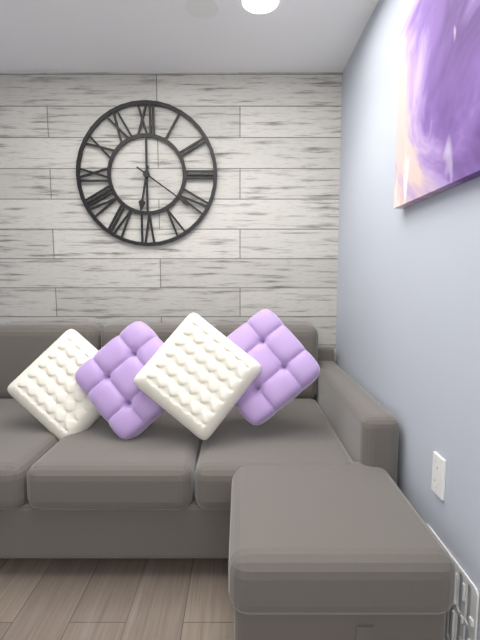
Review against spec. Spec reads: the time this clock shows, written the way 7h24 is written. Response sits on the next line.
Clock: 6h21
